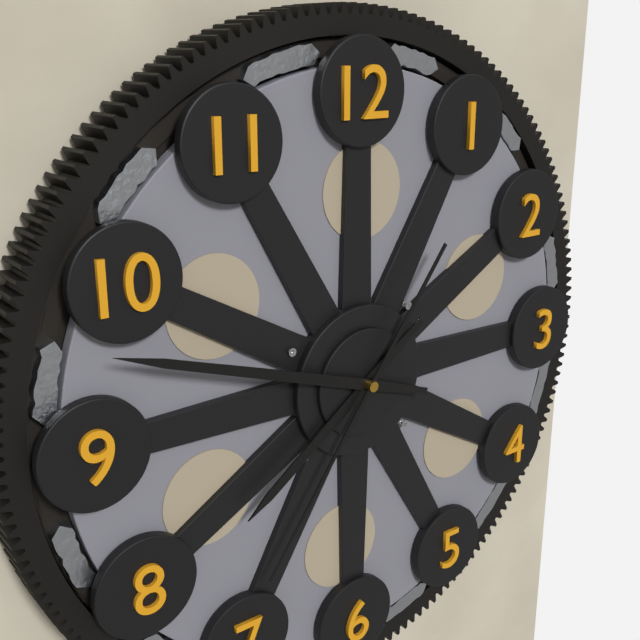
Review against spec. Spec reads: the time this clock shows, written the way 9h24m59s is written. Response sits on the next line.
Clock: 7h48m36s
